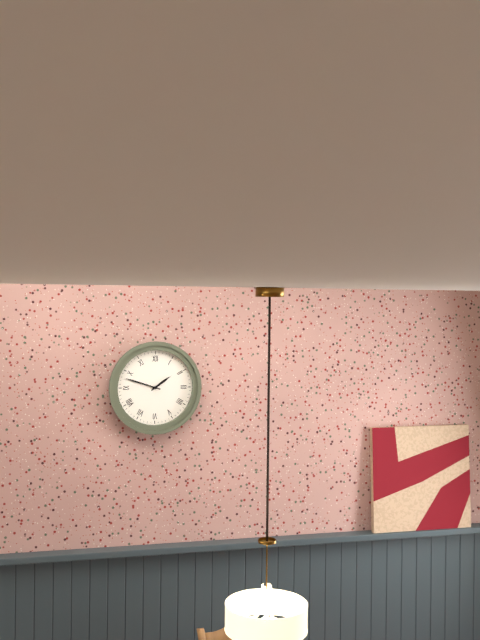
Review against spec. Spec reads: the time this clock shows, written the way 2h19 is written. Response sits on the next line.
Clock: 1h48
